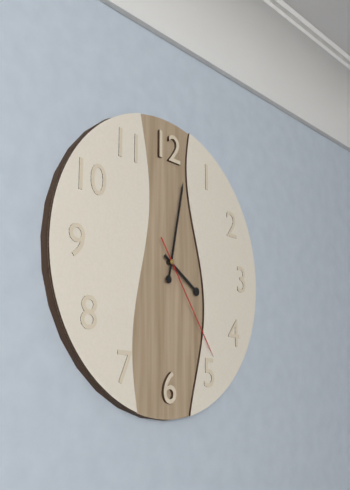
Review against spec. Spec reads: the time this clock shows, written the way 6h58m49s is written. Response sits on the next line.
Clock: 4h02m24s
